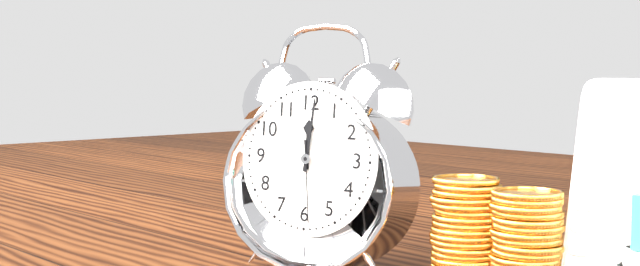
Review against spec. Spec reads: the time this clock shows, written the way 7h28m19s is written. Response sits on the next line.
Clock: 12h01m29s
